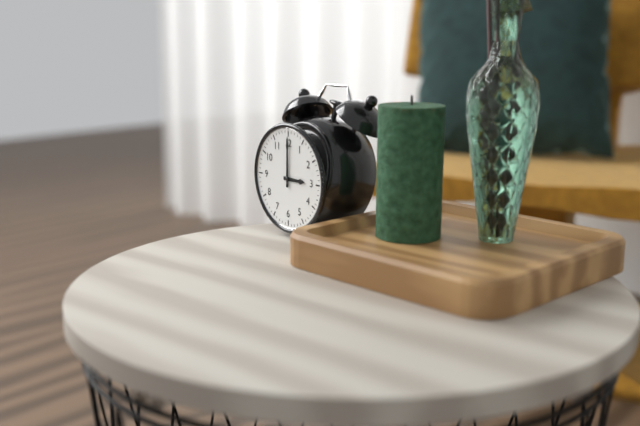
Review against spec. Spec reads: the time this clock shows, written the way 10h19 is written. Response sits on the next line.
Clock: 3h00
